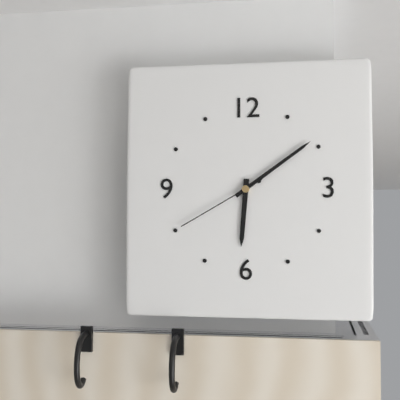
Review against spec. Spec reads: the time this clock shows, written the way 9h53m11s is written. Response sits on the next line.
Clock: 6h09m40s
